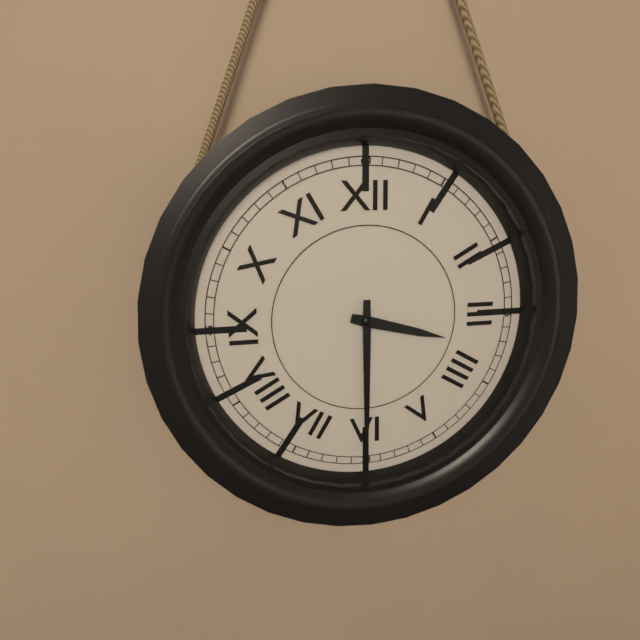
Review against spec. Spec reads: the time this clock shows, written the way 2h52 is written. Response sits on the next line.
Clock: 3h30
